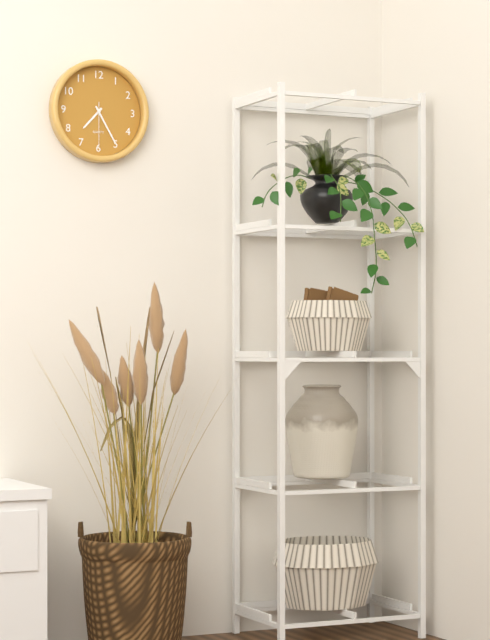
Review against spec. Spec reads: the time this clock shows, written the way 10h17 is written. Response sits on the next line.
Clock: 7h25
